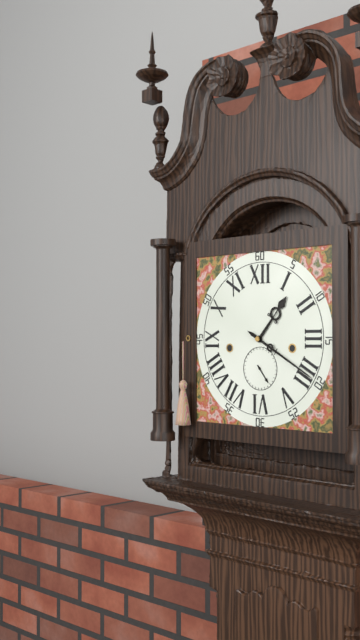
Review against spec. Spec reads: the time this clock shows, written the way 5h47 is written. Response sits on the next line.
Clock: 1h20
